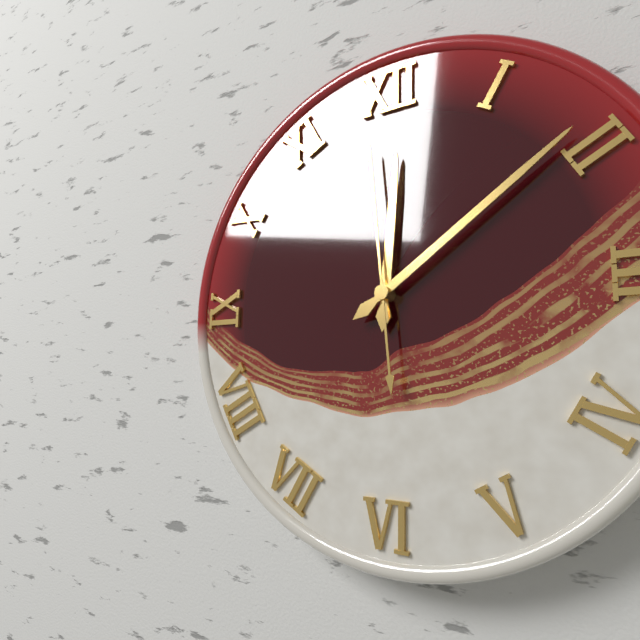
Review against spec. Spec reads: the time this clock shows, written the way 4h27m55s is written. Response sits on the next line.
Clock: 12h09m59s
